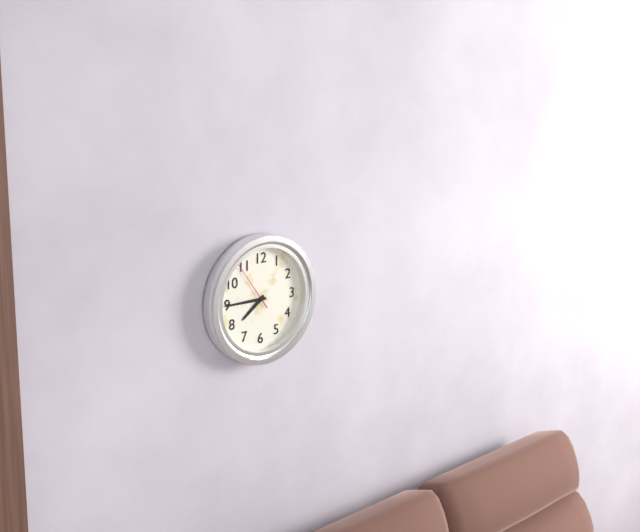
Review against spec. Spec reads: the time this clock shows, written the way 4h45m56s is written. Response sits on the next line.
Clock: 7h45m54s
